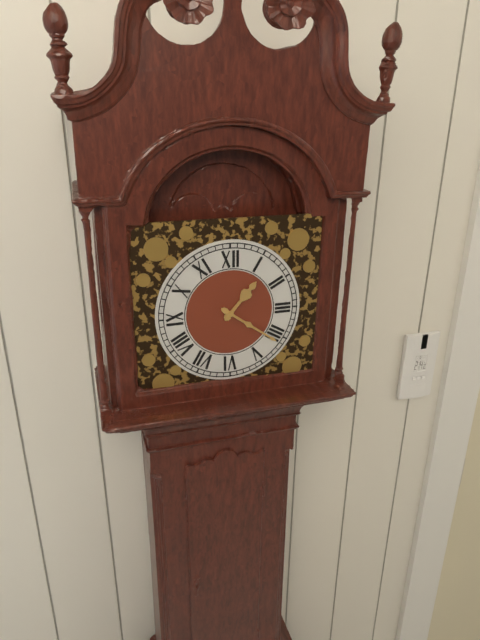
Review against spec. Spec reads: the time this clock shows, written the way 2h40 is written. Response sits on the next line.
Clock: 1h21
